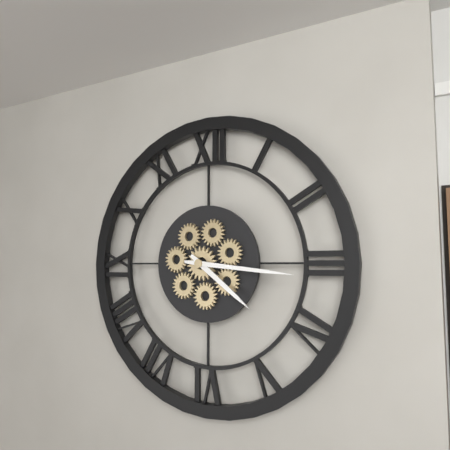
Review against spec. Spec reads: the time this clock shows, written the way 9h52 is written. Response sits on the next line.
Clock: 4h16
